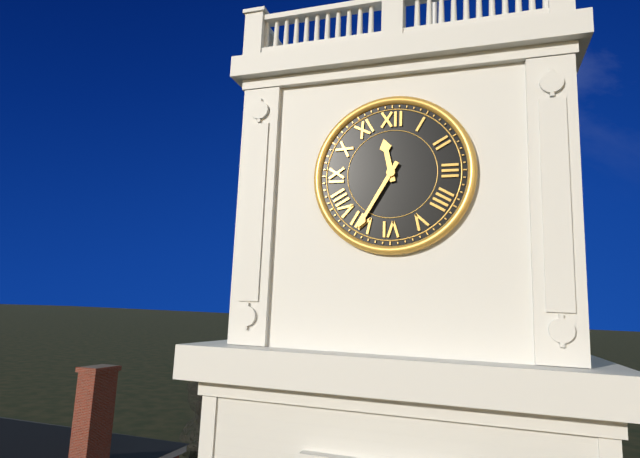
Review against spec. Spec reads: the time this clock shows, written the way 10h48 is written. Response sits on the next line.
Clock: 11h35
